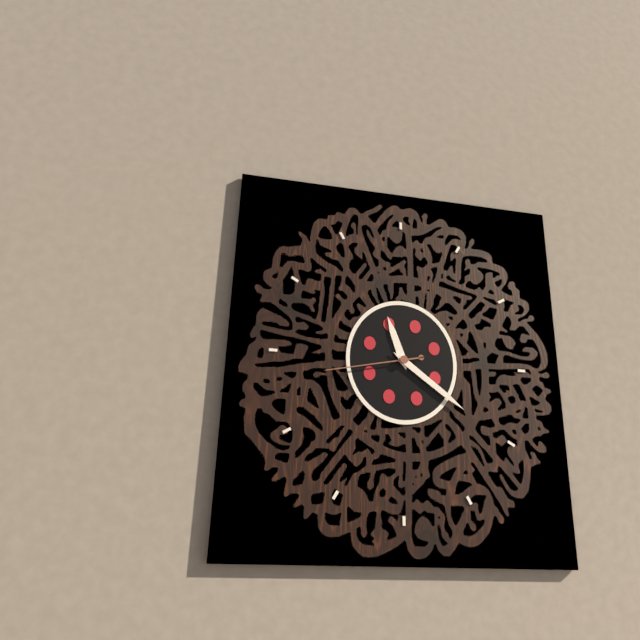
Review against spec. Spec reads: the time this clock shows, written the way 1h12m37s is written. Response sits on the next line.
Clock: 11h21m43s
